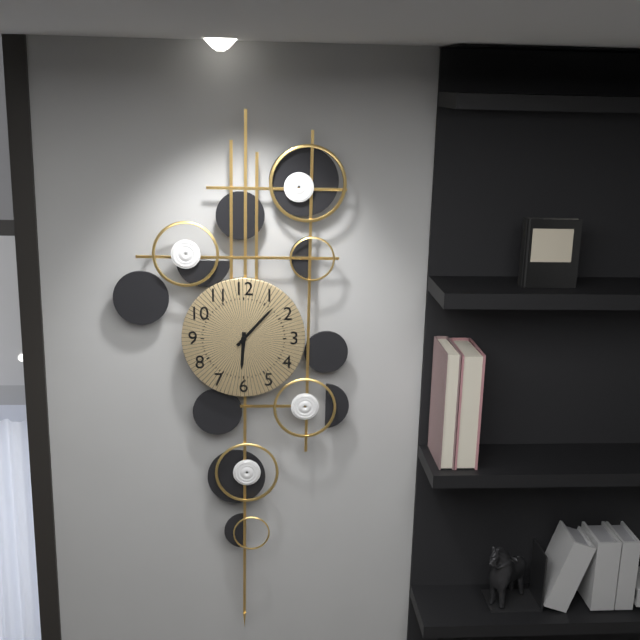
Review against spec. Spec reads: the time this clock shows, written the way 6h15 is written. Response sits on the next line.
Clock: 6h07
